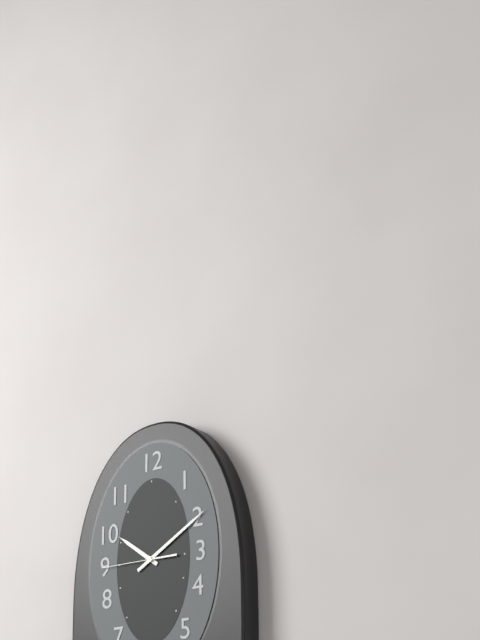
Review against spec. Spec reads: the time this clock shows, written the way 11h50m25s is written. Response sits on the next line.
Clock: 10h10m45s
